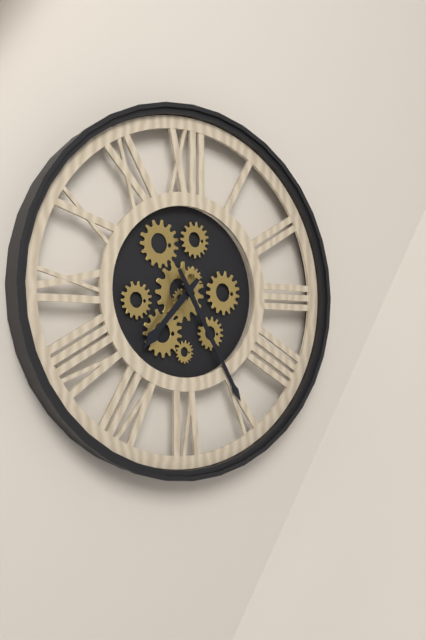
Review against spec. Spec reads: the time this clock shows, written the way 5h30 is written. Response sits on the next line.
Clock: 7h25
